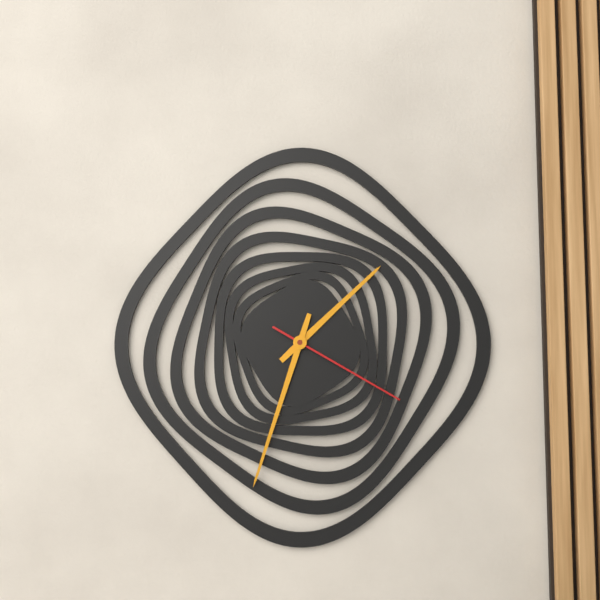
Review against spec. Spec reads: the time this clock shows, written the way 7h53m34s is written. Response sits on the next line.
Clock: 1h33m20s
